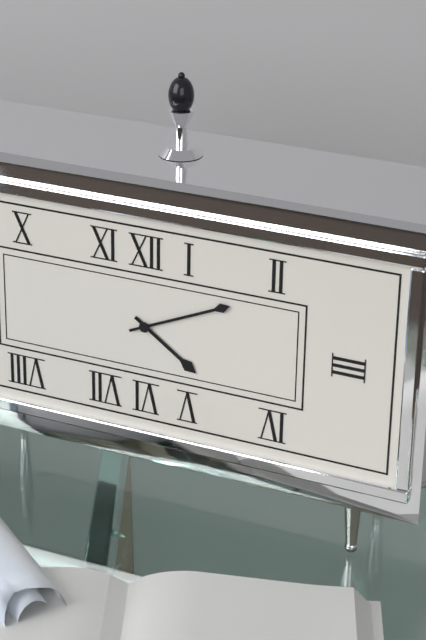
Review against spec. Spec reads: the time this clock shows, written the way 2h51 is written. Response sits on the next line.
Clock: 4h11
